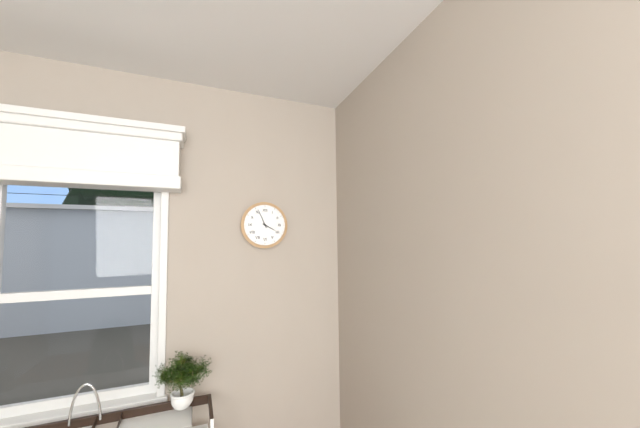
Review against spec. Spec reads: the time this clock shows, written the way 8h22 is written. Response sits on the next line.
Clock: 3h56
